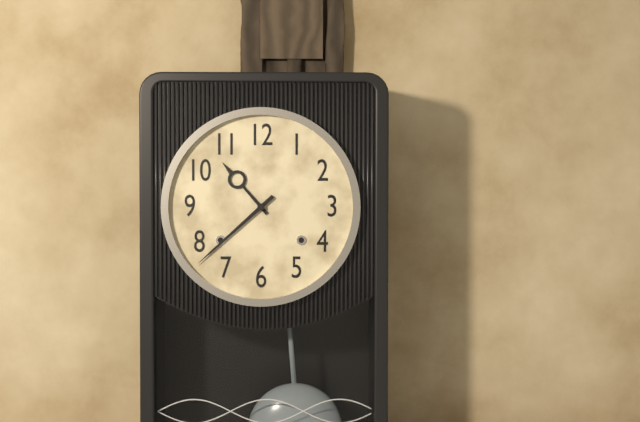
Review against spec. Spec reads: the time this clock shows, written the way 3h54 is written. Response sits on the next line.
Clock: 10h38
